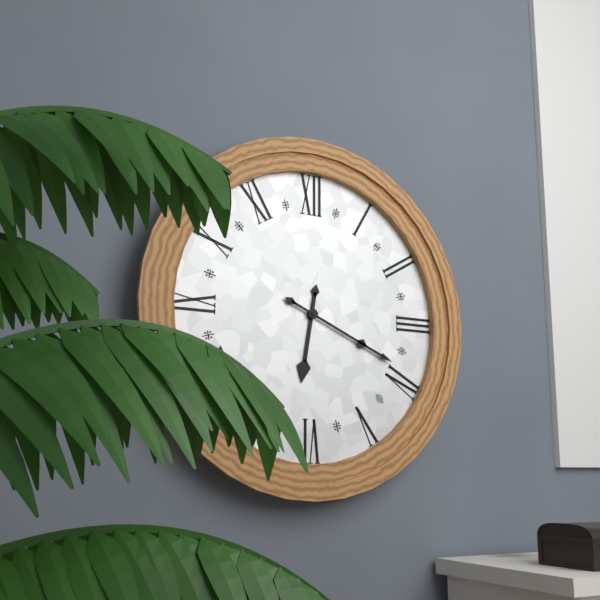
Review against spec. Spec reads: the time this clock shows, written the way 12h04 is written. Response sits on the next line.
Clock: 6h19
